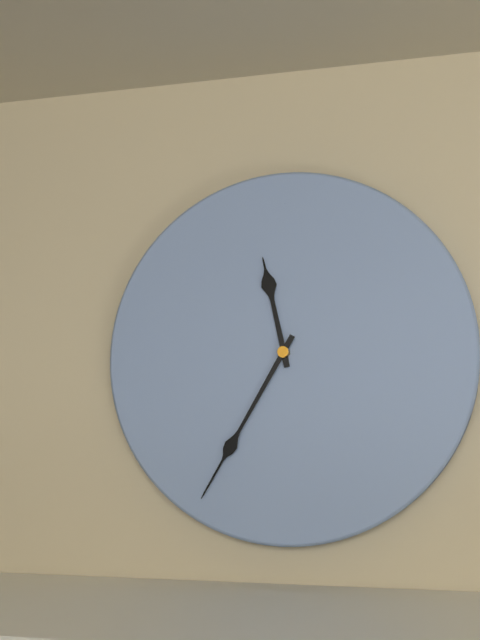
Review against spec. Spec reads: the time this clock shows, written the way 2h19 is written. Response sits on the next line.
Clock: 11h35
